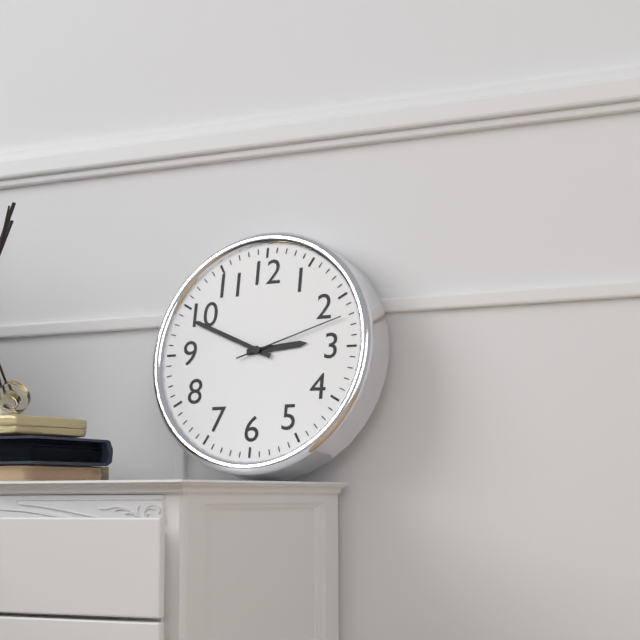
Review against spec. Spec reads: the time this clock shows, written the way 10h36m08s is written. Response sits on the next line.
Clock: 2h49m12s
